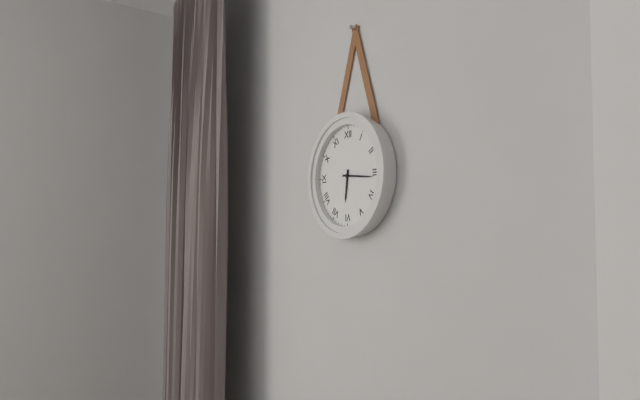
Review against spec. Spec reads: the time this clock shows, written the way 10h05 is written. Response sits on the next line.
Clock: 6h16
